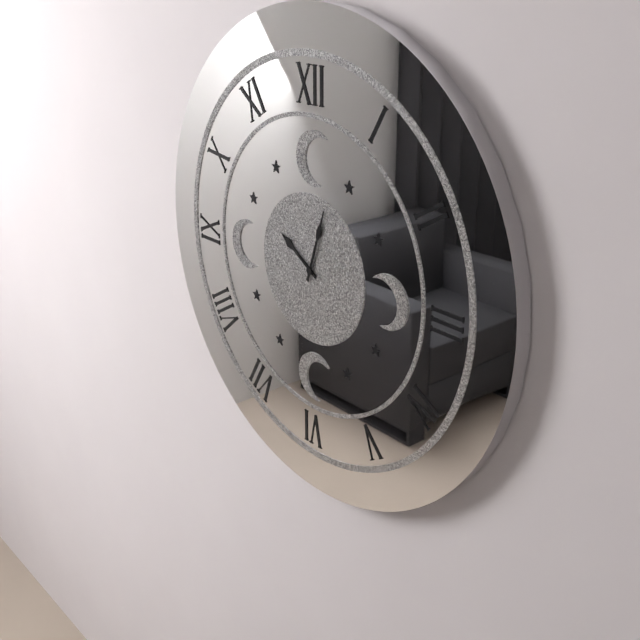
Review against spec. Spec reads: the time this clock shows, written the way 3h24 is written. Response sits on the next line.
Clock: 10h03
